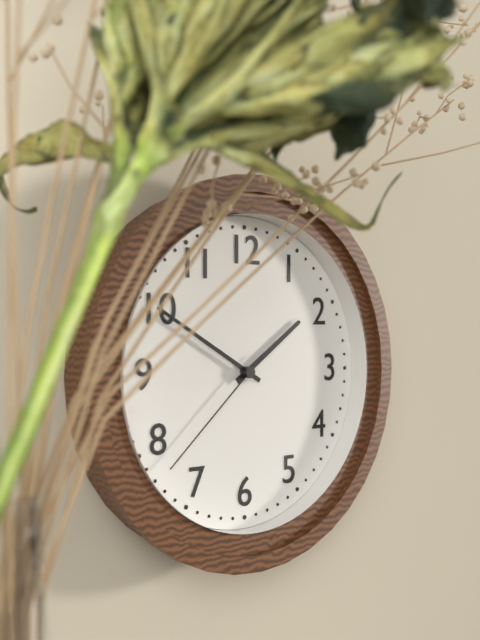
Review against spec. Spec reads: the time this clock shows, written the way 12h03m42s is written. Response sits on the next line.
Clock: 1h50m38s
